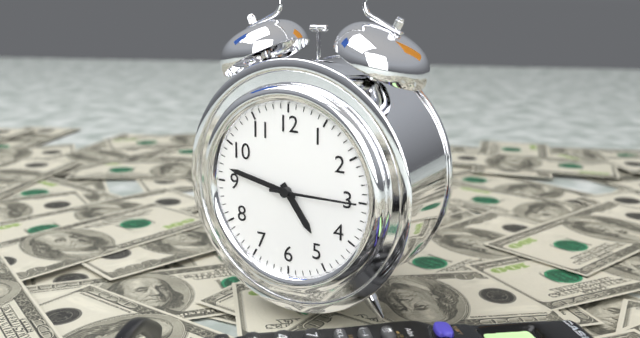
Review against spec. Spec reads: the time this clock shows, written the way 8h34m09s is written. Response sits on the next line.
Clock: 4h47m15s
